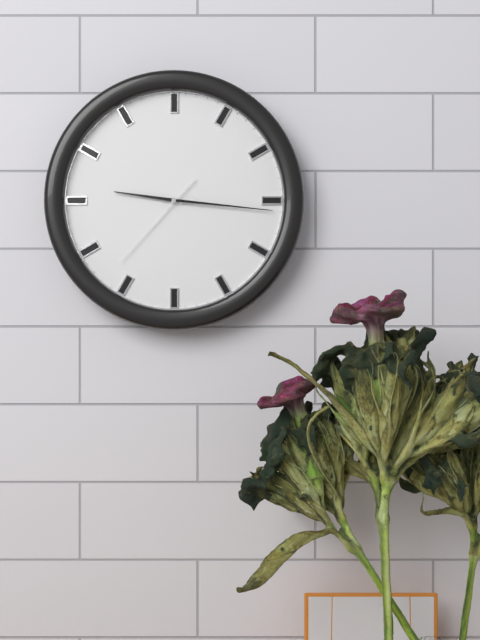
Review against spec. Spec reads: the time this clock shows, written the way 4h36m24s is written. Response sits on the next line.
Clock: 9h16m37s
